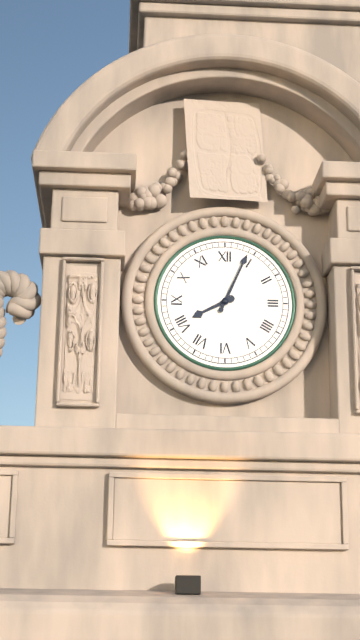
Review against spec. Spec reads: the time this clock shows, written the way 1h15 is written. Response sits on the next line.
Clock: 8h04
